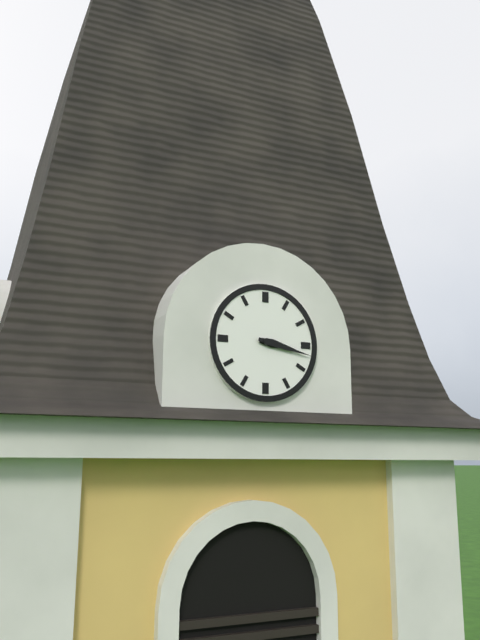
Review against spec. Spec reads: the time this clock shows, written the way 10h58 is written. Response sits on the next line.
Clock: 3h17
